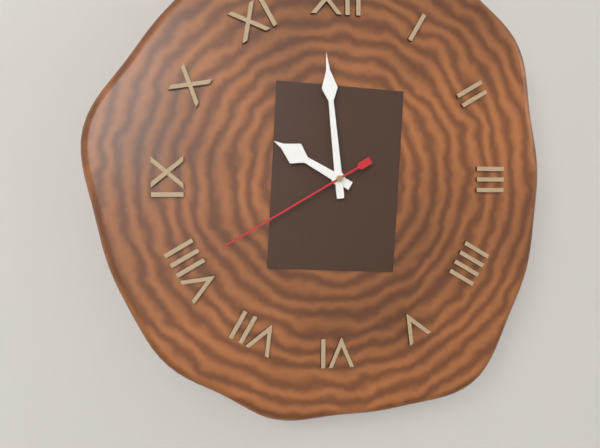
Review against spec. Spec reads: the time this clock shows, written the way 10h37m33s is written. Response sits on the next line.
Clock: 9h59m40s
